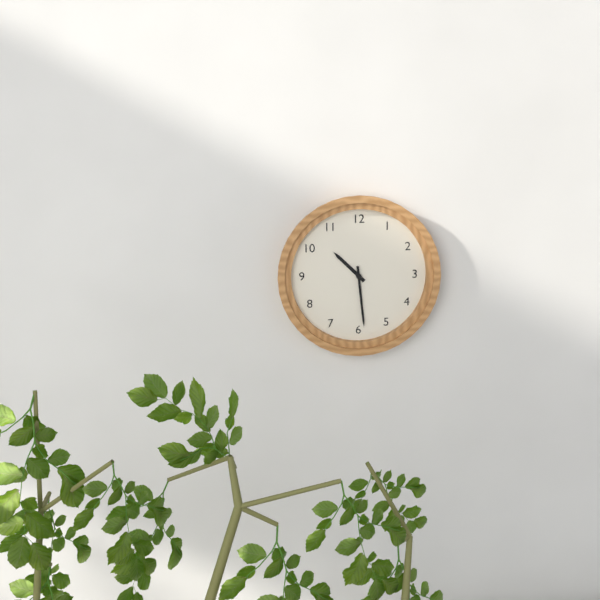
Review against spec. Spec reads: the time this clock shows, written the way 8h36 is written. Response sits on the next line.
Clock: 10h29
